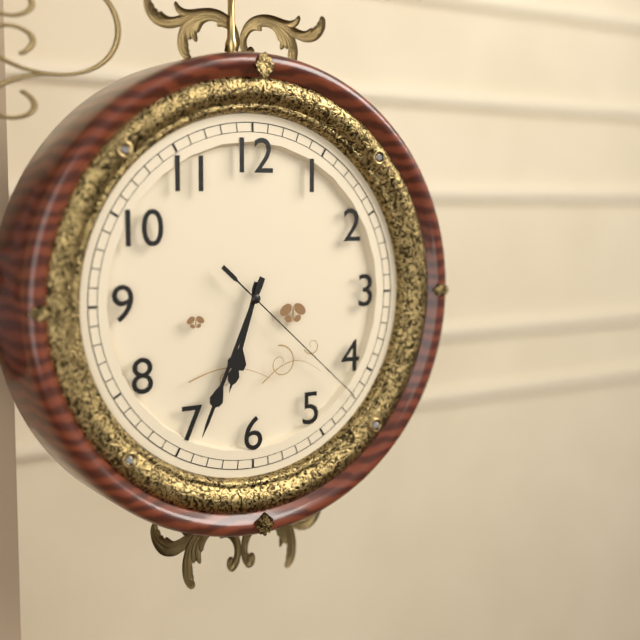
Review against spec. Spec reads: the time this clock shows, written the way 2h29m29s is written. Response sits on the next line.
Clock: 6h34m22s
